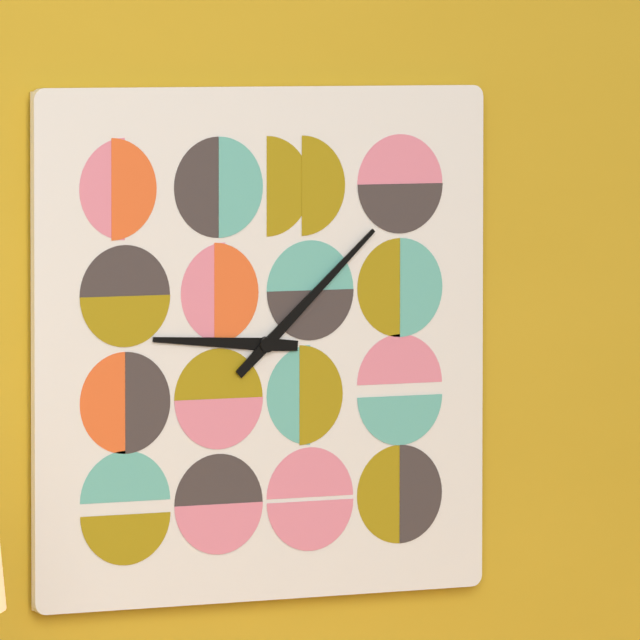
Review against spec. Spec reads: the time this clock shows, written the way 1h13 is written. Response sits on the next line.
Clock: 9h08
